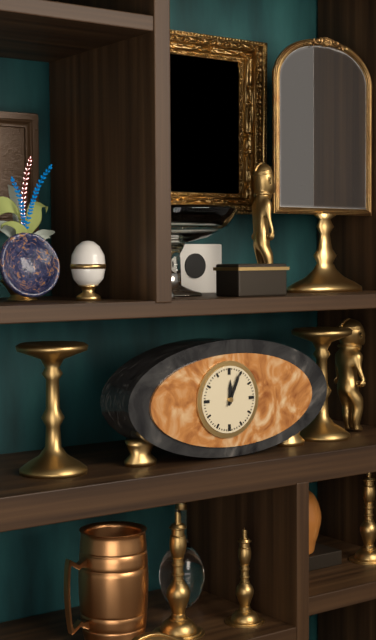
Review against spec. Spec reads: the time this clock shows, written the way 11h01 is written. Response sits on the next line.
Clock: 12h04
